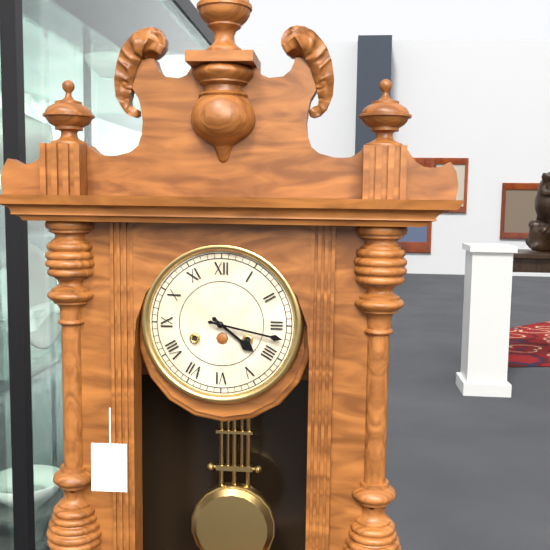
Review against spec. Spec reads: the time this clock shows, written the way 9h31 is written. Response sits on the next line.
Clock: 4h17
